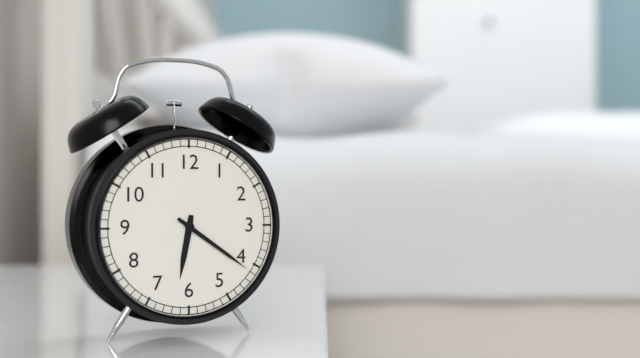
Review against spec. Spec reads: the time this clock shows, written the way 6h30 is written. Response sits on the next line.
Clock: 6h21
